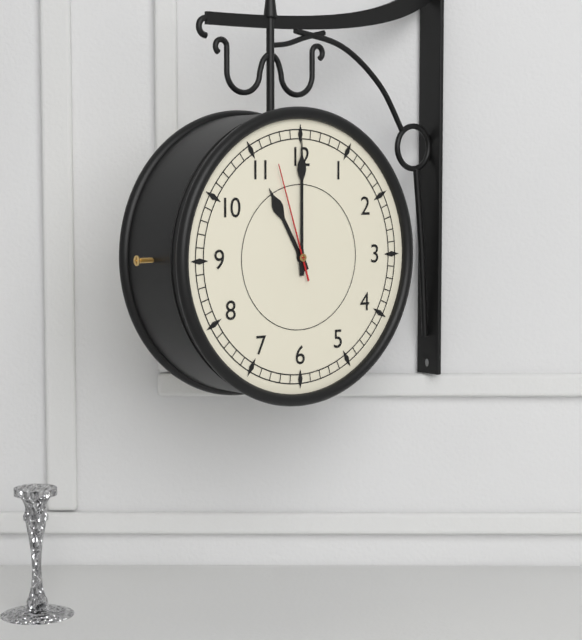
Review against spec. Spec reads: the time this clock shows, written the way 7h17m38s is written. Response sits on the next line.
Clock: 11h00m57s
